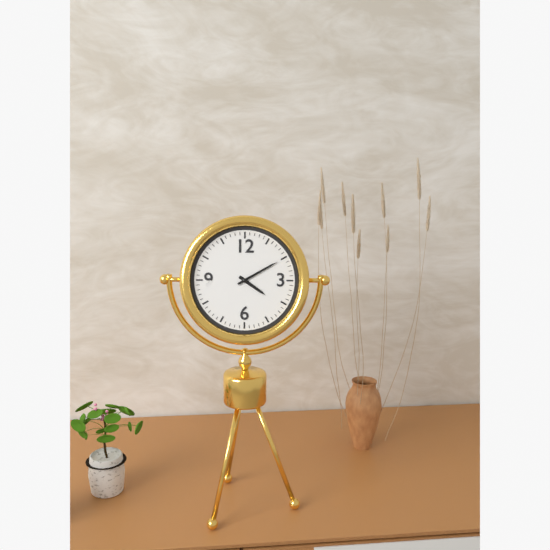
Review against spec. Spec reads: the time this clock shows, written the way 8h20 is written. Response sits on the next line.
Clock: 4h10
